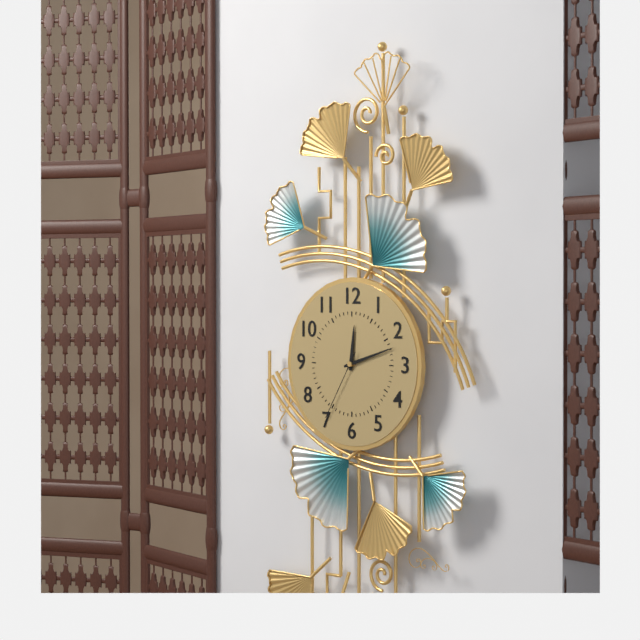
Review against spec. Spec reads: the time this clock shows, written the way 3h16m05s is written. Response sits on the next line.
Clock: 12h12m35s
